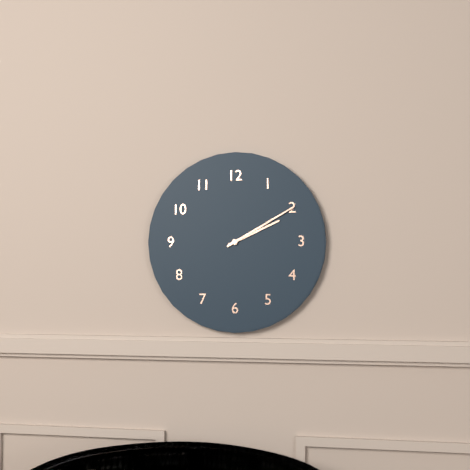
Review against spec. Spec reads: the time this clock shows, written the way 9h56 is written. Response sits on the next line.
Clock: 2h10
